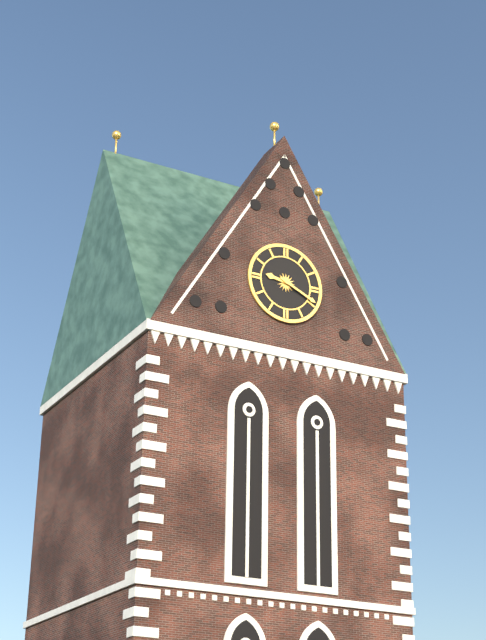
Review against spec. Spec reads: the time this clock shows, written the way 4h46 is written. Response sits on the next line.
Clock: 9h19
